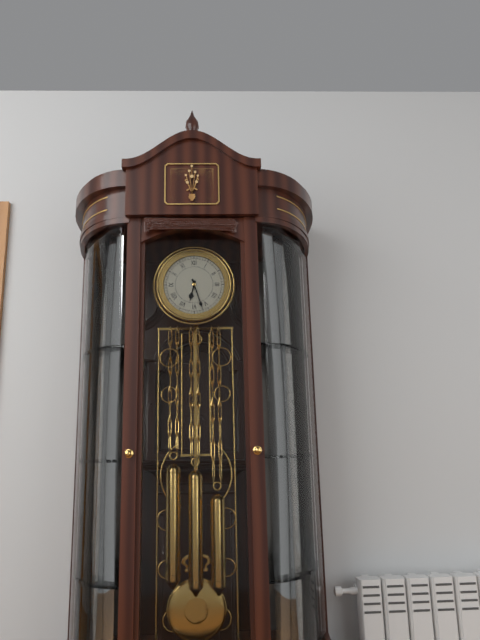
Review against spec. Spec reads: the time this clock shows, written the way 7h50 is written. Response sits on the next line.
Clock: 6h27
